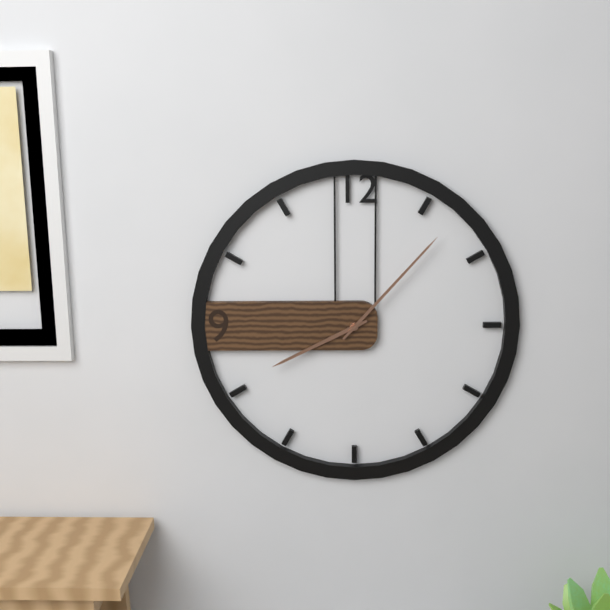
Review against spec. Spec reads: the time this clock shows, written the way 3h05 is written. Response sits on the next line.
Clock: 8h07
